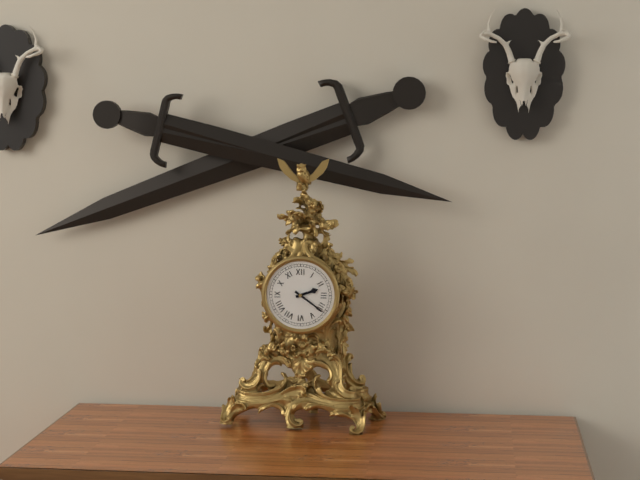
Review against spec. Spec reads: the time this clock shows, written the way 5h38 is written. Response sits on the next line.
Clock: 2h21
